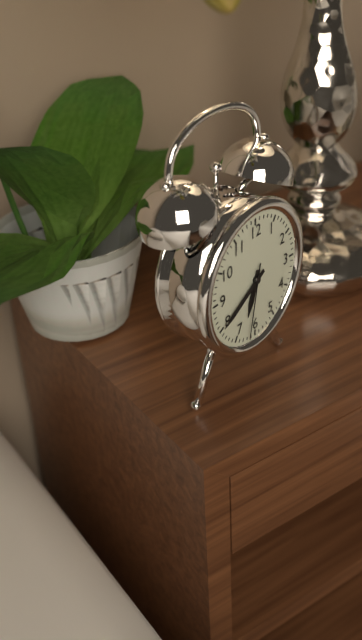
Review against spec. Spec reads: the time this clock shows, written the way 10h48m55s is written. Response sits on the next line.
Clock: 6h40m32s
